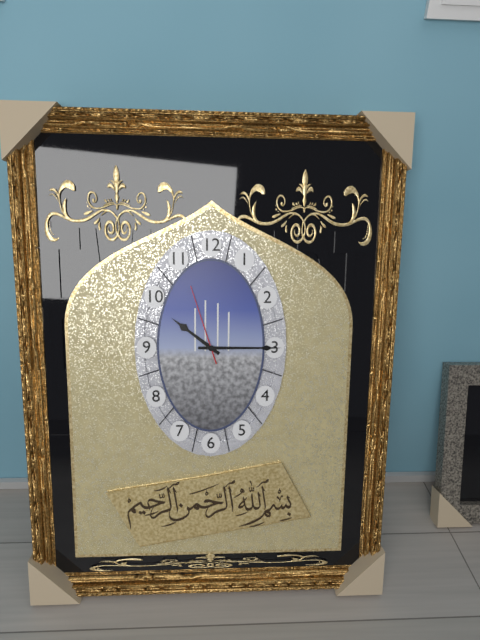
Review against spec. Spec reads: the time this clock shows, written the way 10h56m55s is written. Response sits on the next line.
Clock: 10h15m57s
